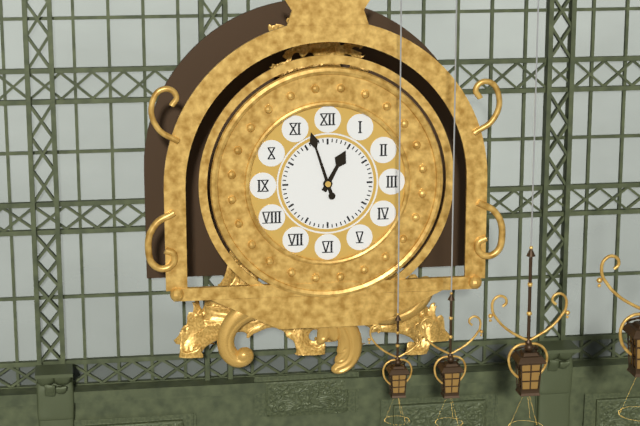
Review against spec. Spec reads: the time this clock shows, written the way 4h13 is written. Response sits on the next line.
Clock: 12h57
